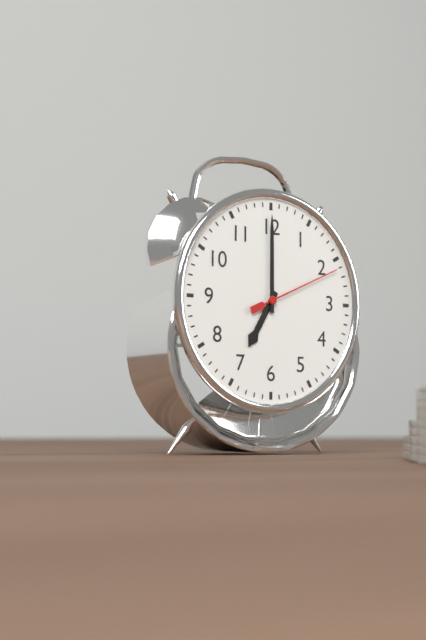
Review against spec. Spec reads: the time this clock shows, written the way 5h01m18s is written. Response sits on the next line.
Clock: 7h00m11s
